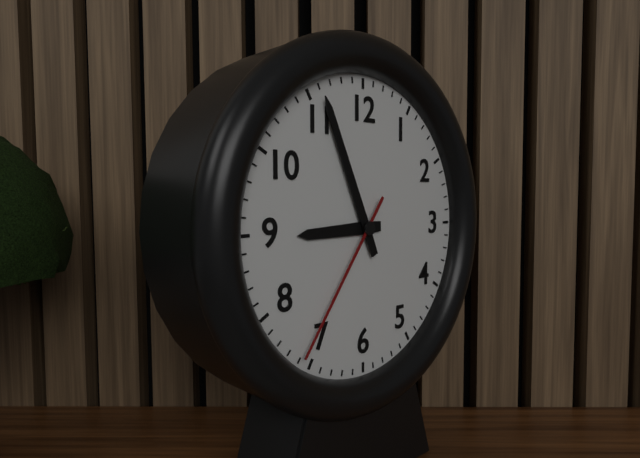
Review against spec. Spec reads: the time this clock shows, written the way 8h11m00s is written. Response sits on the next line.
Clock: 8h56m36s
